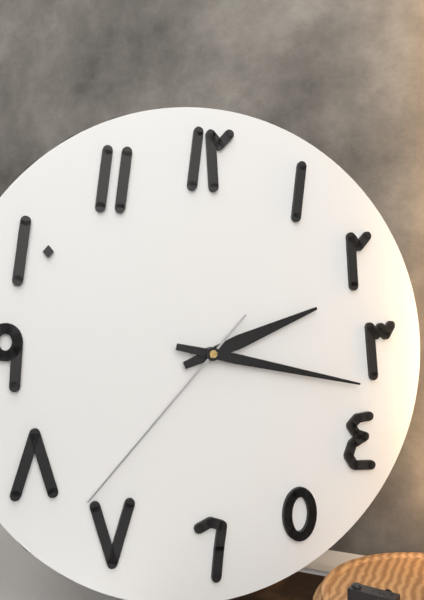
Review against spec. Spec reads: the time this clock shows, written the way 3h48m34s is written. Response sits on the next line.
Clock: 2h17m37s
